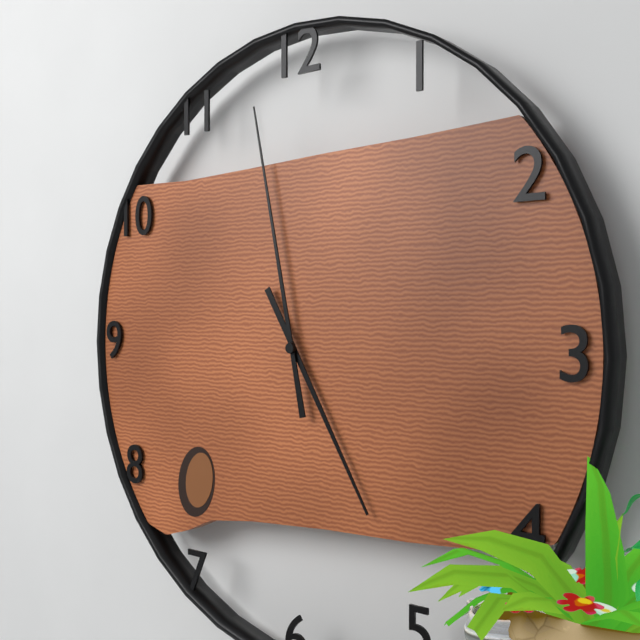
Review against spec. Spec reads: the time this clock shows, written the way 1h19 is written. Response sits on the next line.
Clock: 4h58
